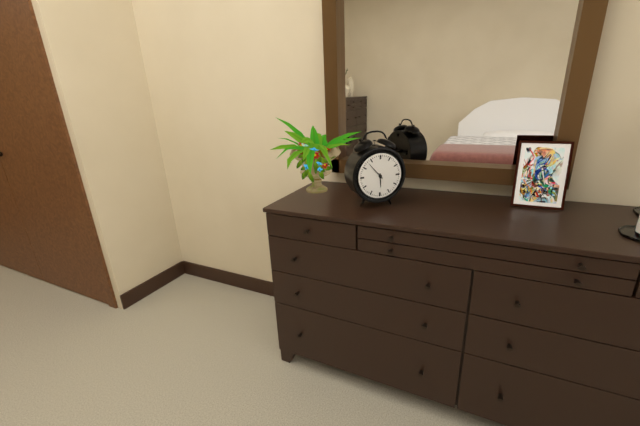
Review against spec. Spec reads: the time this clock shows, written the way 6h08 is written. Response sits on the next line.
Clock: 5h53
